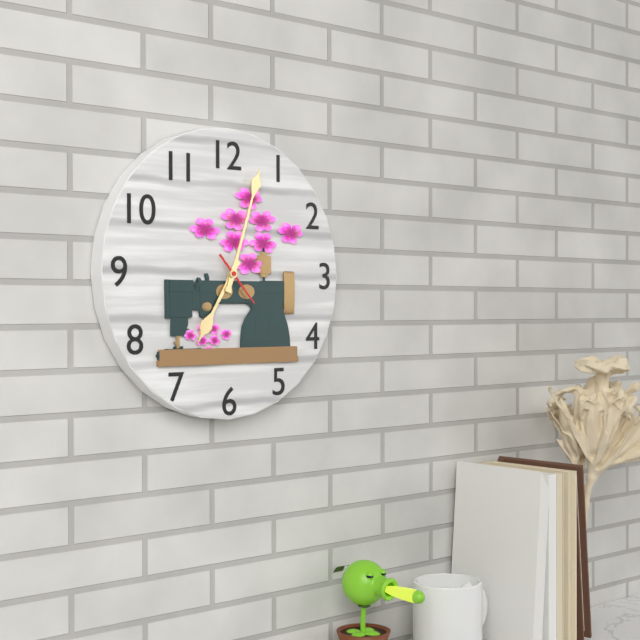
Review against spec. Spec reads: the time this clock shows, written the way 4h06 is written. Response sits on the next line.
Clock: 7h03
